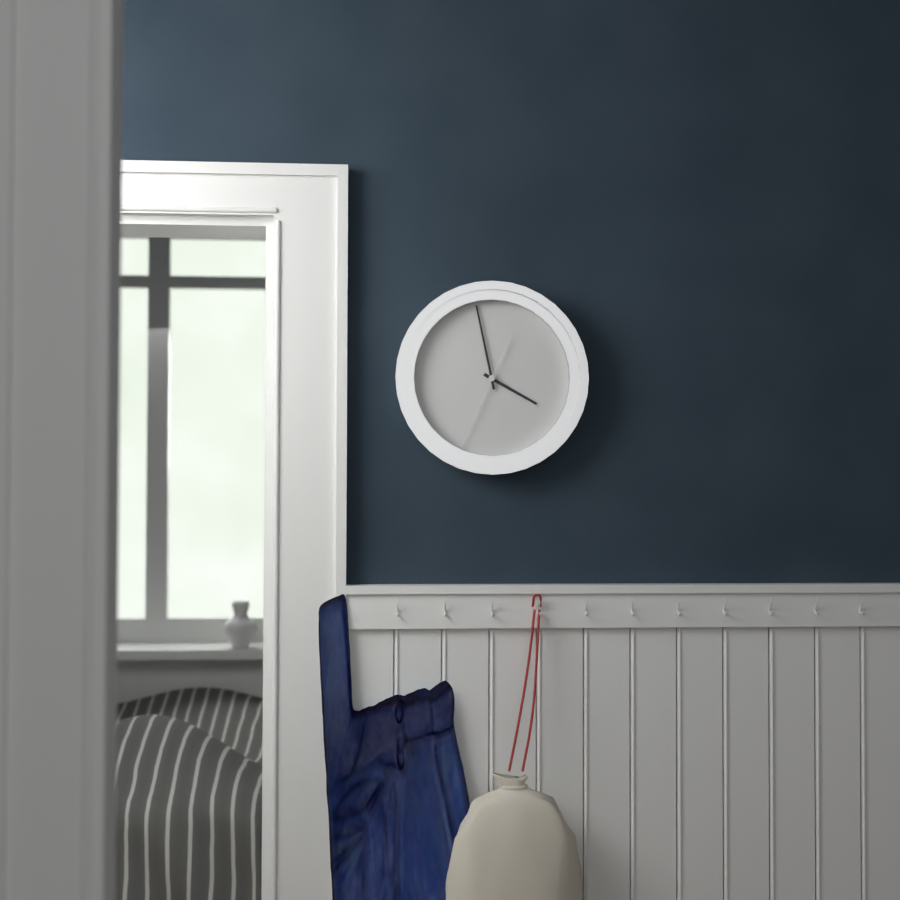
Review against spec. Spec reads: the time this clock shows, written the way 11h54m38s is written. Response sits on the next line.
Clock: 3h58m34s
